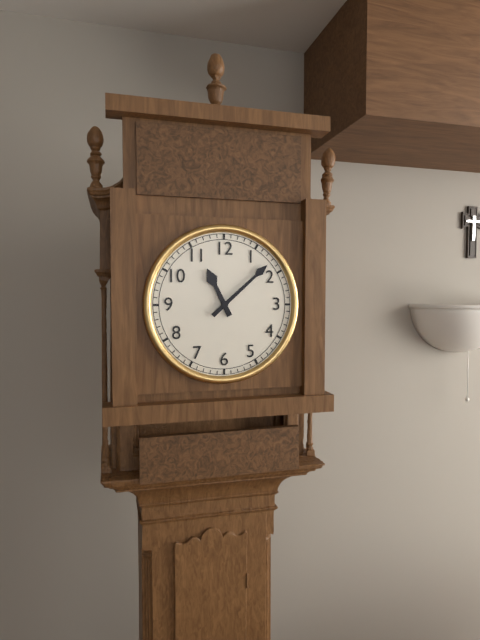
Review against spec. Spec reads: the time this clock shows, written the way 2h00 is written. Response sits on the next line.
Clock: 11h08
